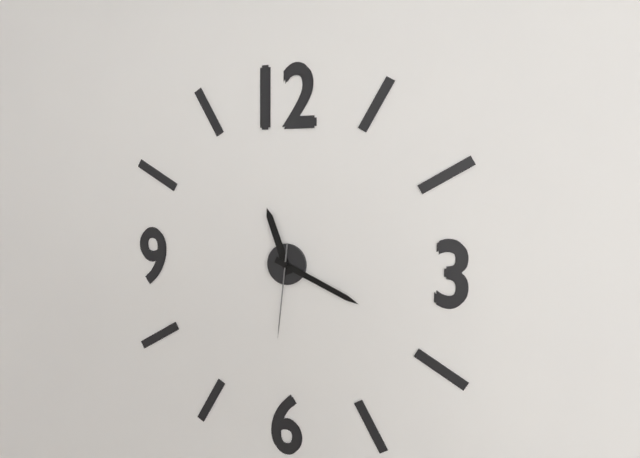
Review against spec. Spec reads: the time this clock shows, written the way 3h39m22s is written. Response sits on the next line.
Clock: 11h19m31s
